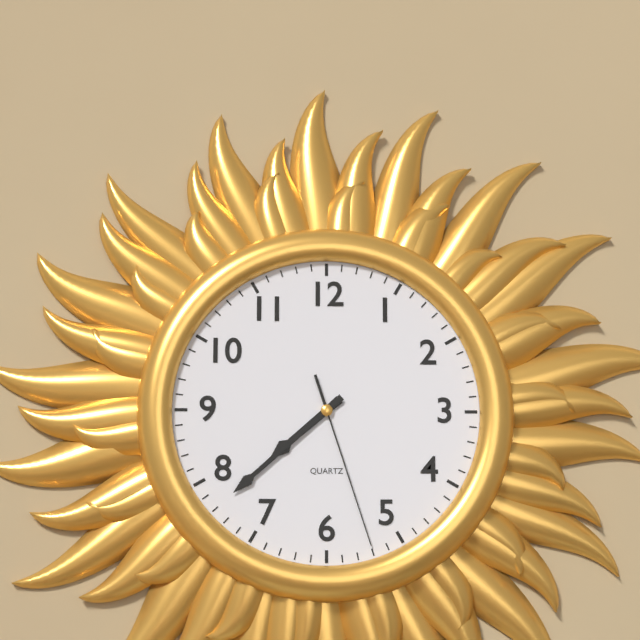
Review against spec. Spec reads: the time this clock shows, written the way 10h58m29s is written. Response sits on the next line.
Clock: 7h38m27s
